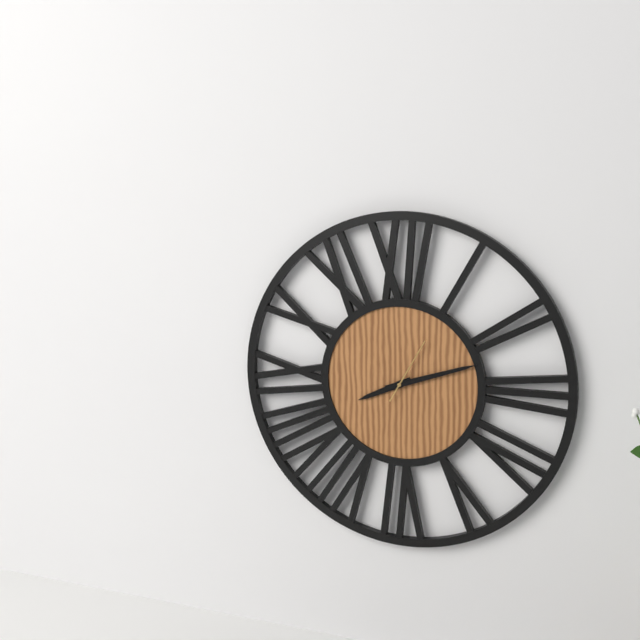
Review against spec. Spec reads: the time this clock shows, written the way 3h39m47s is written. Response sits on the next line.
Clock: 8h12m05s
